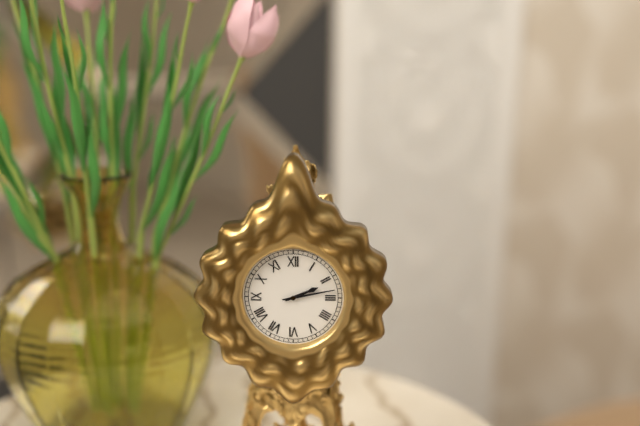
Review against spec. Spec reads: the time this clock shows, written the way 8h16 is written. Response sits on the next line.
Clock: 2h13
